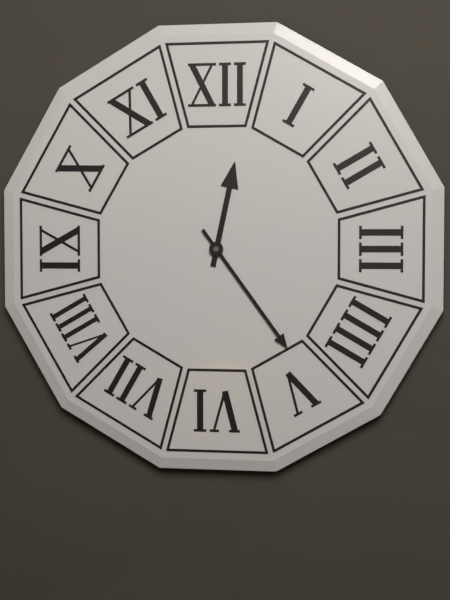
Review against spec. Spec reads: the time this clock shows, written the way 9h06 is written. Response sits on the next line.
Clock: 12h24
